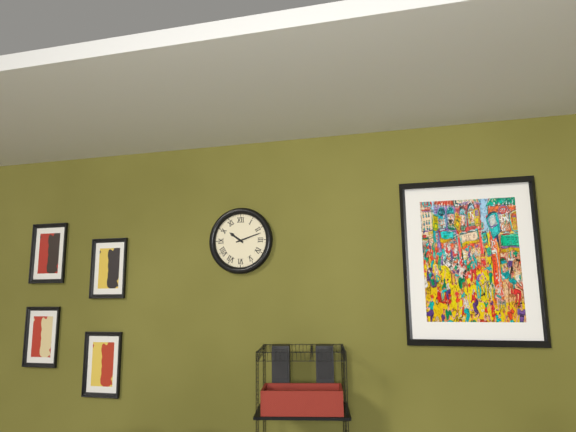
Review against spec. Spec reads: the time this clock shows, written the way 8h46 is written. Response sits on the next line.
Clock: 10h12
